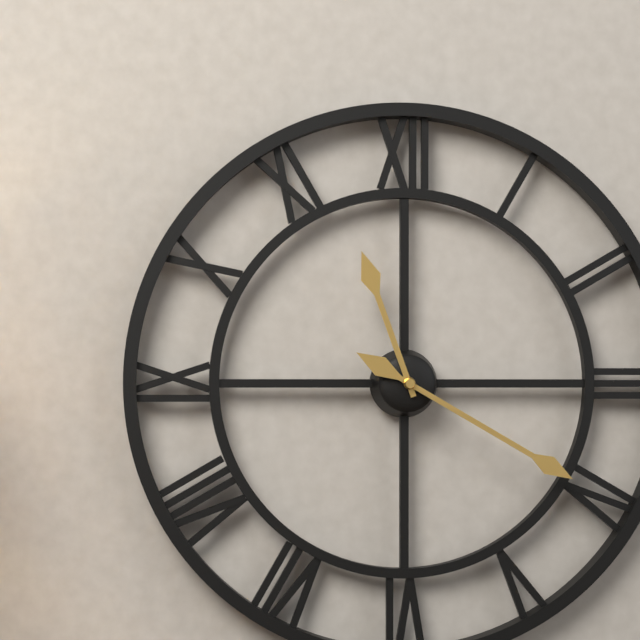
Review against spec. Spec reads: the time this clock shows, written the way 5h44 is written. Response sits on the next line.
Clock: 11h20
